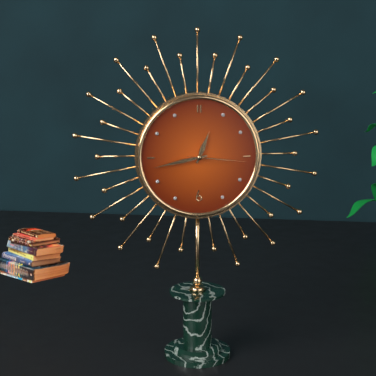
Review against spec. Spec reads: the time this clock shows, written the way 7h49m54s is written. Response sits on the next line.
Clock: 12h43m16s
